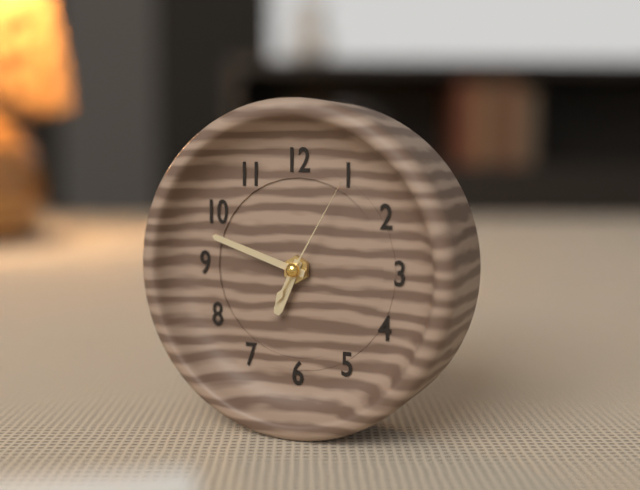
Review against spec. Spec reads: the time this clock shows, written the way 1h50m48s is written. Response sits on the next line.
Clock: 6h48m05s
